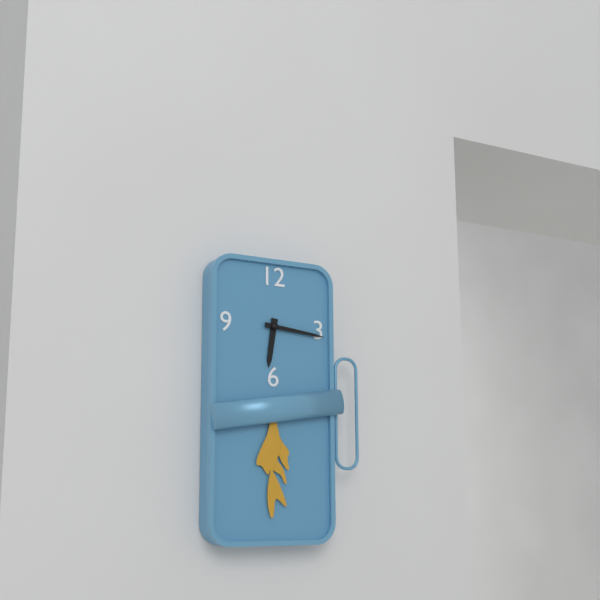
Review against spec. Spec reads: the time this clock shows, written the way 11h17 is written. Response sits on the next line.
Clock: 6h16
